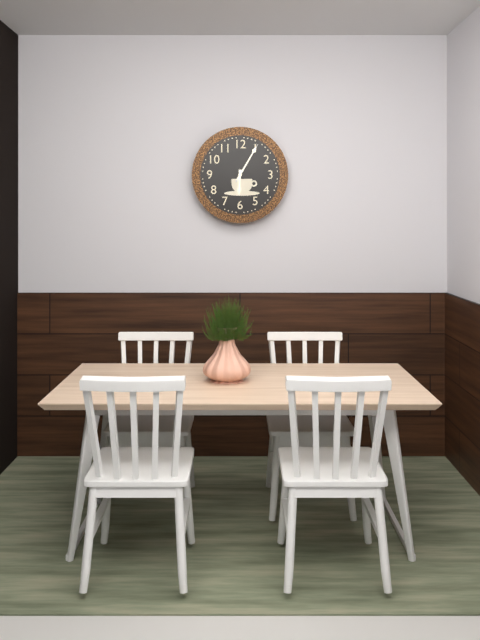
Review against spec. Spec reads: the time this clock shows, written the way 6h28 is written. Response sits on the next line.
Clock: 6h05
